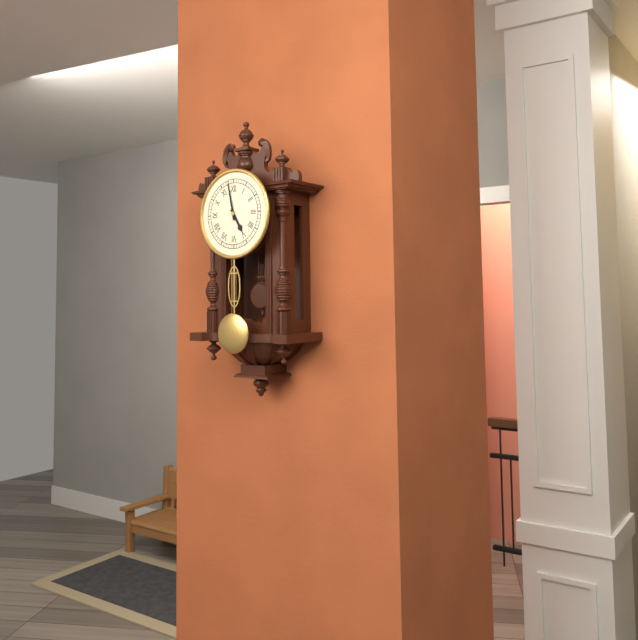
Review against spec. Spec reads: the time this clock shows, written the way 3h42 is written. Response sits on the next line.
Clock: 4h58
